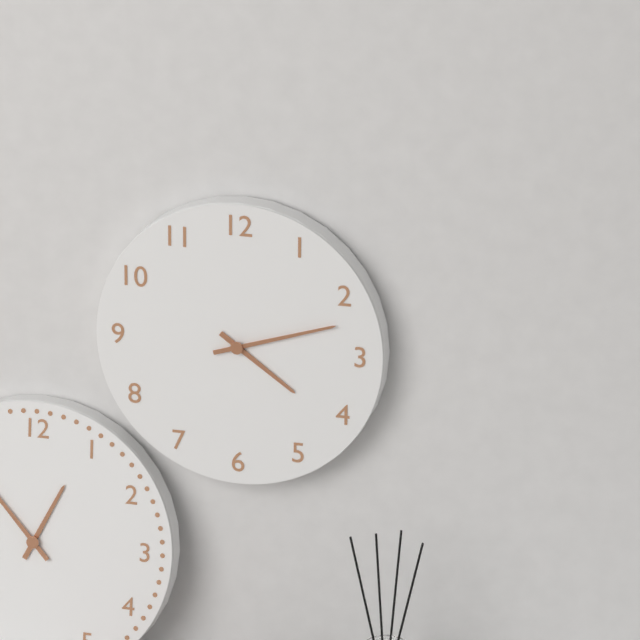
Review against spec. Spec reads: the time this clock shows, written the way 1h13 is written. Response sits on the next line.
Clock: 4h12
